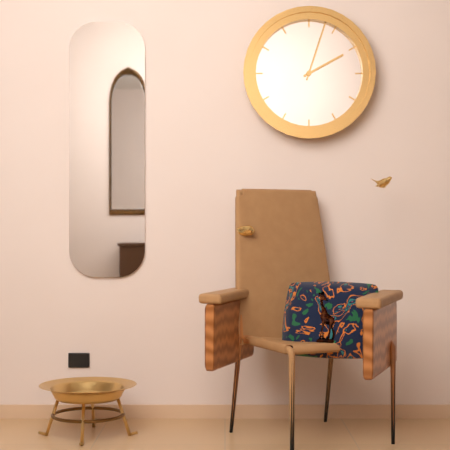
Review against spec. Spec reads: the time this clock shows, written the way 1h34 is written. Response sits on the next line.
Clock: 2h03
